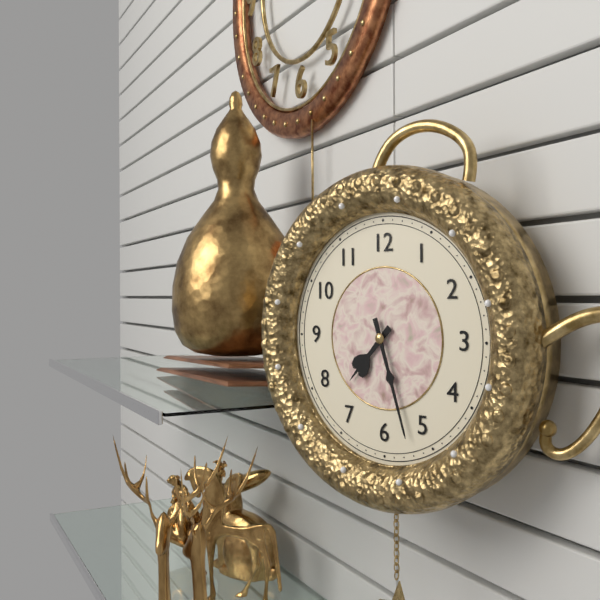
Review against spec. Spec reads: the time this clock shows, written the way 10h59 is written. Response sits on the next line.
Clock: 7h27
